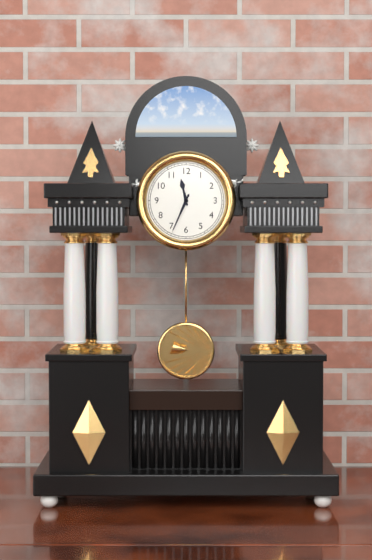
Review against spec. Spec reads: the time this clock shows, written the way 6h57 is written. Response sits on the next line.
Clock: 11h34
